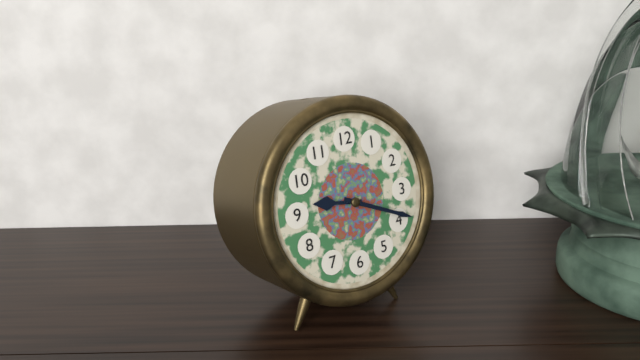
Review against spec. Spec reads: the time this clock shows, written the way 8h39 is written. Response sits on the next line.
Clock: 9h19
